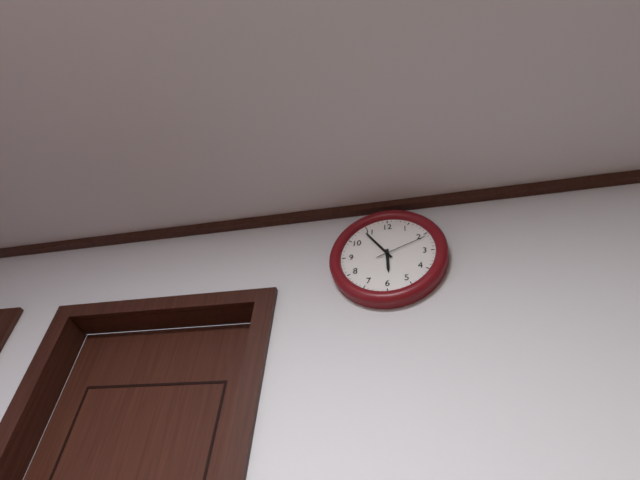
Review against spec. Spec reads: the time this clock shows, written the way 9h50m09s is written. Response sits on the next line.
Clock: 5h54m11s
